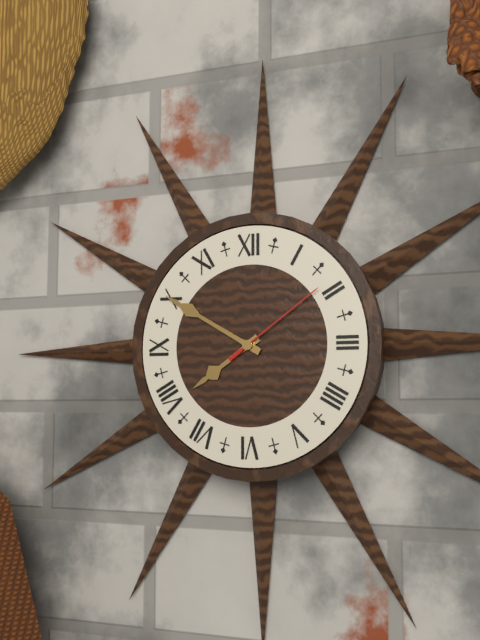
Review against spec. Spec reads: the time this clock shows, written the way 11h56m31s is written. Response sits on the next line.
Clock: 7h50m09s
